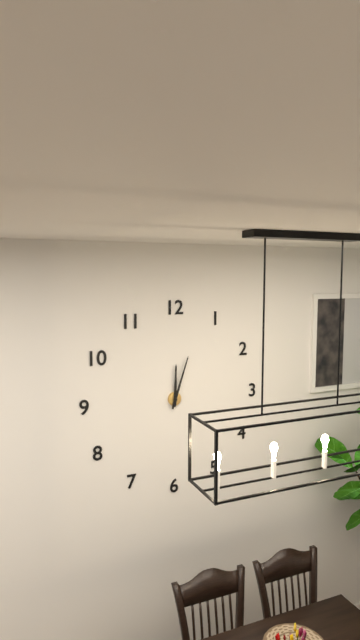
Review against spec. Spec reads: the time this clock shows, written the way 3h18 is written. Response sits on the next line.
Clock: 12h03
